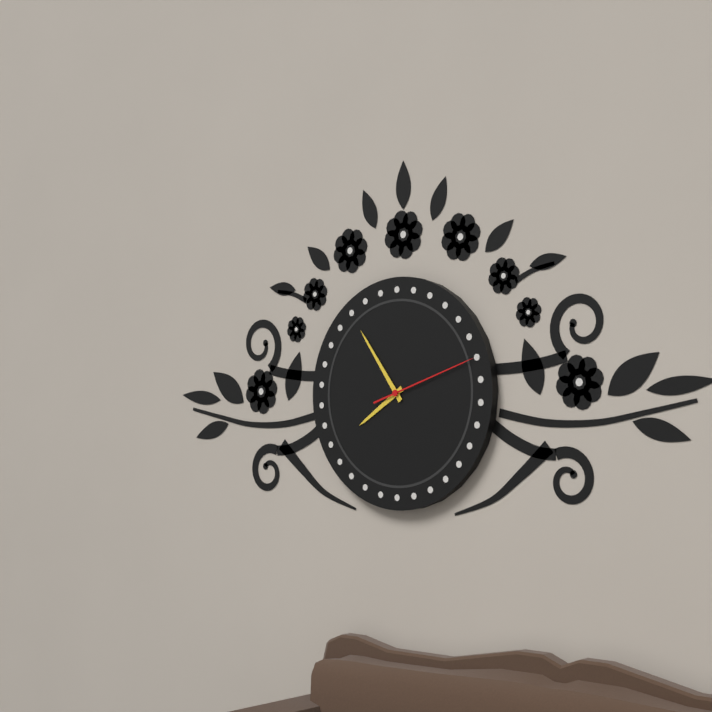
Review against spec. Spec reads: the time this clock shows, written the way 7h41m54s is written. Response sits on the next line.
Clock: 7h54m12s
